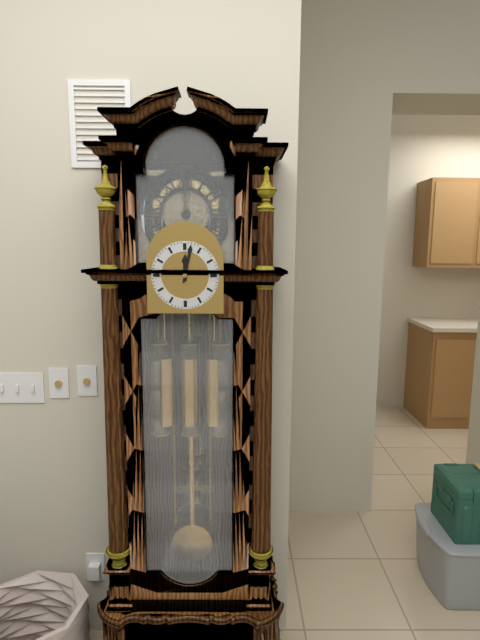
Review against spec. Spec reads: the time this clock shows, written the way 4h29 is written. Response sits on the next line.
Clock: 12h02
